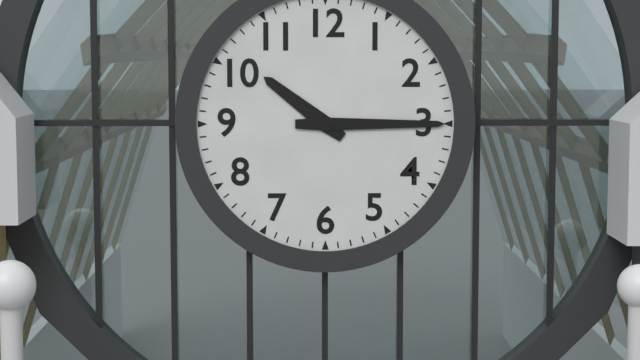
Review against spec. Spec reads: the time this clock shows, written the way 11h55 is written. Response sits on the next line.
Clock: 10h15
